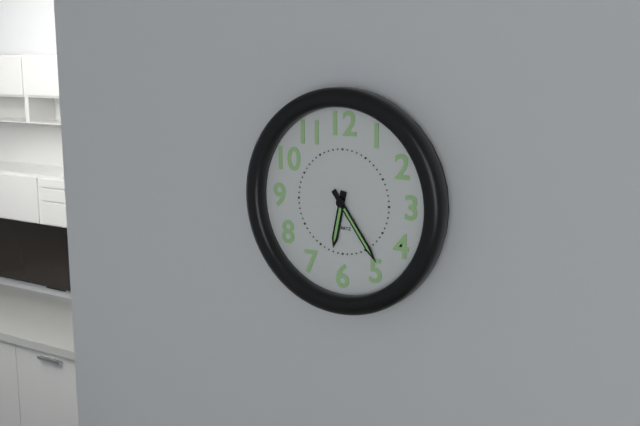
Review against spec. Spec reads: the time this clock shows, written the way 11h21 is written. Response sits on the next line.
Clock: 6h24
